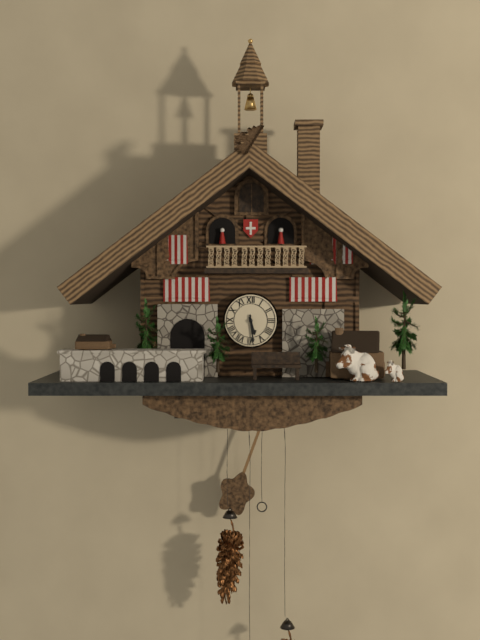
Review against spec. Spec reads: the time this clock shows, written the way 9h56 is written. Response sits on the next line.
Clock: 5h29
